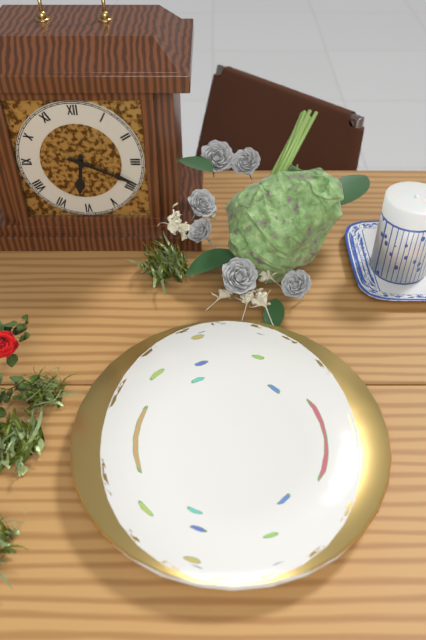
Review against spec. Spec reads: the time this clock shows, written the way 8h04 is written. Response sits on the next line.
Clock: 6h19
